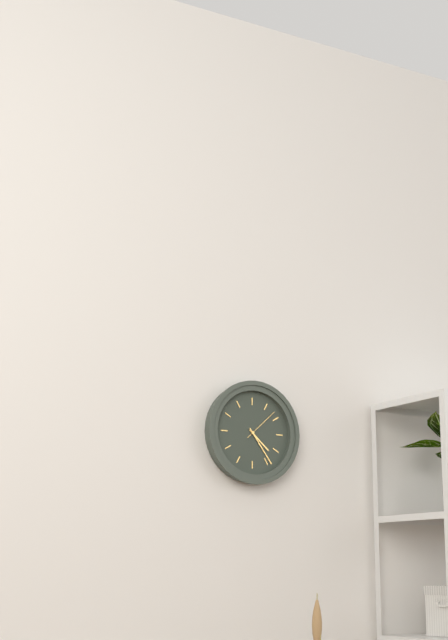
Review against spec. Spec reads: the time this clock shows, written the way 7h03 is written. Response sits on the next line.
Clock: 4h24
